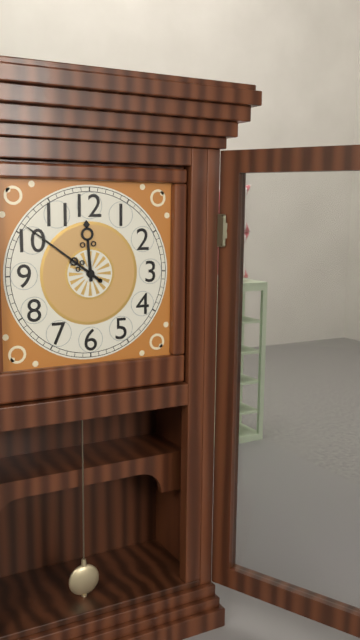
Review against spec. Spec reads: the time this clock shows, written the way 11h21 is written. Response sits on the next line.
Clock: 11h51
